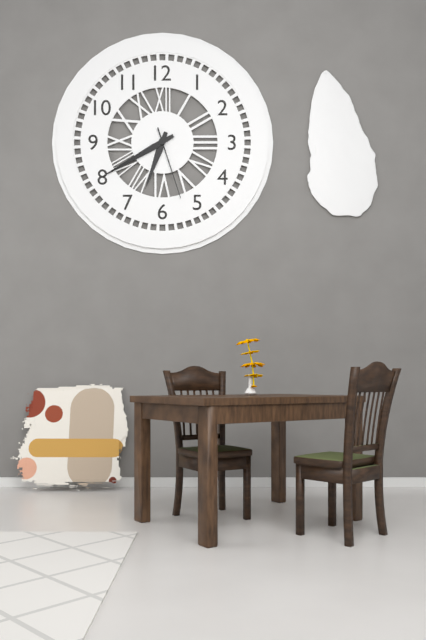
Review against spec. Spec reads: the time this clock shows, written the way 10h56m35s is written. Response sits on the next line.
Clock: 6h40m27s
